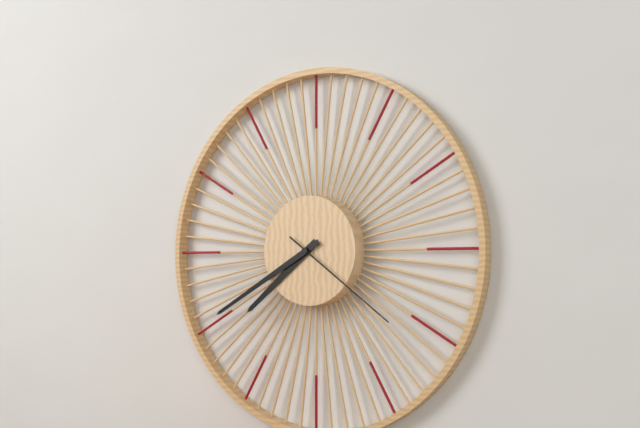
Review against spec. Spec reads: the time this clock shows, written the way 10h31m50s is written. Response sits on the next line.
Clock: 7h40m21s
